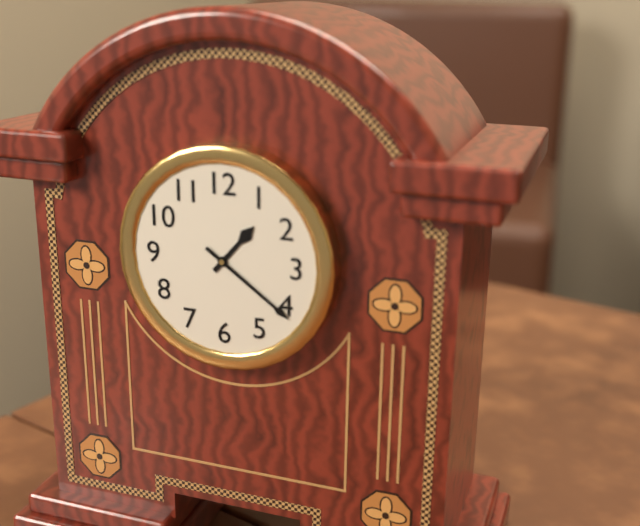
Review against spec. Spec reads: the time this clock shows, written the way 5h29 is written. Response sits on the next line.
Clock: 1h21
